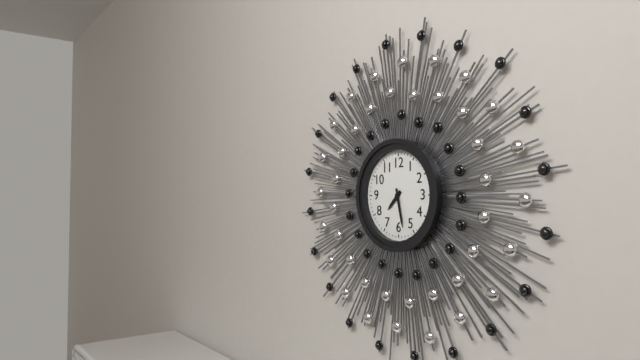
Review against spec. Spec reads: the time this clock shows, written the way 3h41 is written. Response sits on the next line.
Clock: 7h28
